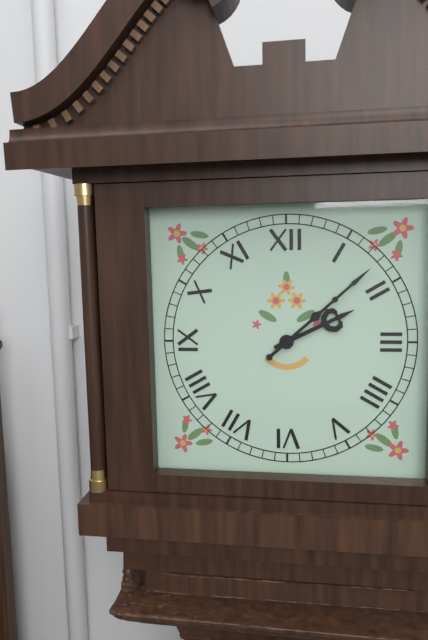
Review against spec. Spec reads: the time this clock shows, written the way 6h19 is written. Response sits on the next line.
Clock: 2h08
